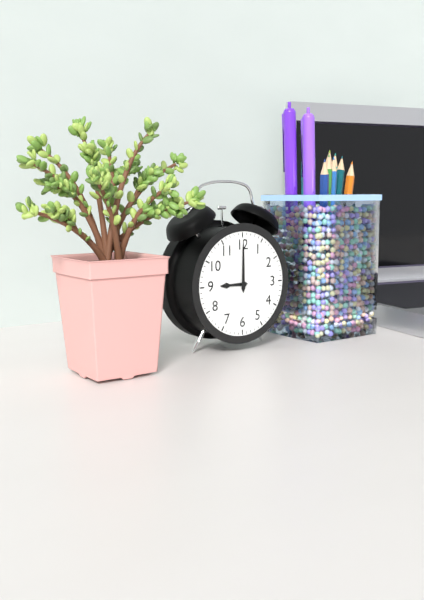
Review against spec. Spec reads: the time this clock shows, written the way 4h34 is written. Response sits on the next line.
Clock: 9h00
